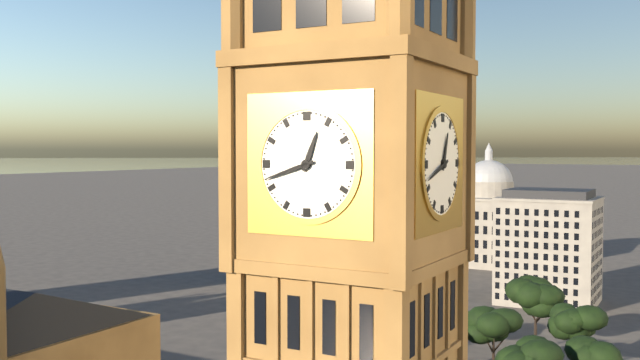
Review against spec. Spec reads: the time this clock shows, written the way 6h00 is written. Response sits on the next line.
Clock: 12h42
